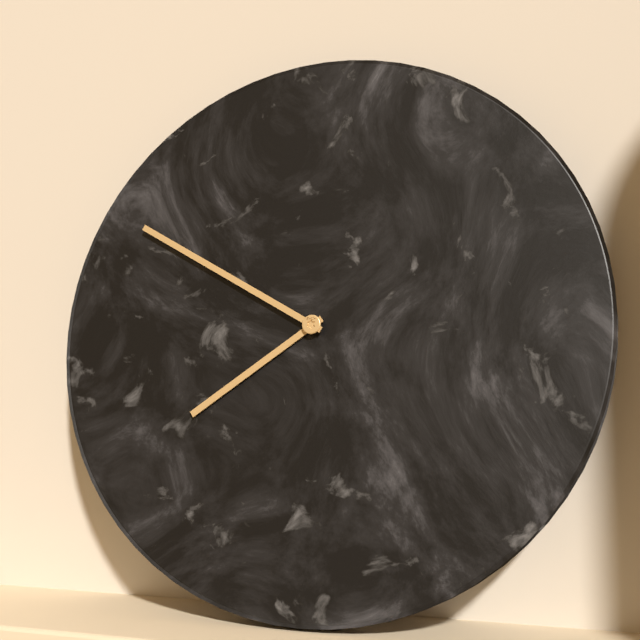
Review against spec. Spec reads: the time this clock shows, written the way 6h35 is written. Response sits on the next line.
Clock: 7h50
